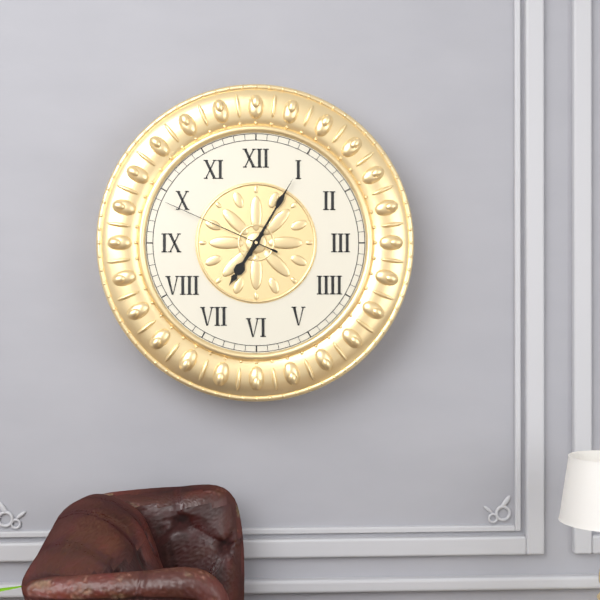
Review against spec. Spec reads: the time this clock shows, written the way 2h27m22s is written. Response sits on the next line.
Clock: 7h05m49s
